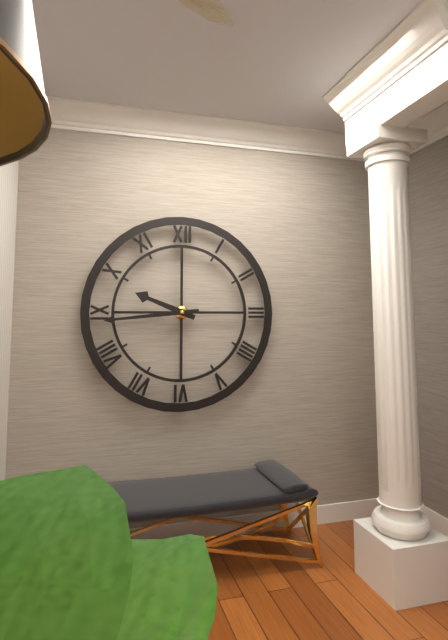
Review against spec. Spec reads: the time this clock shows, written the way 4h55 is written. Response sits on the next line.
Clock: 9h44
